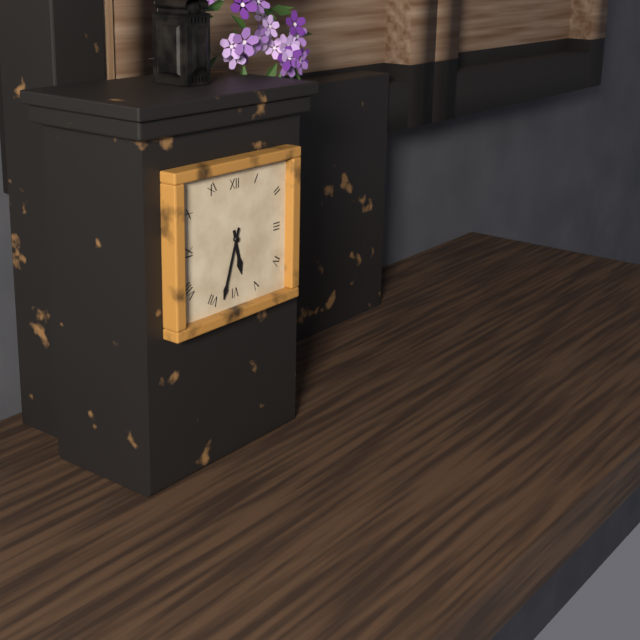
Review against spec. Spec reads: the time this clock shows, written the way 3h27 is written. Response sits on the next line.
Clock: 5h33
